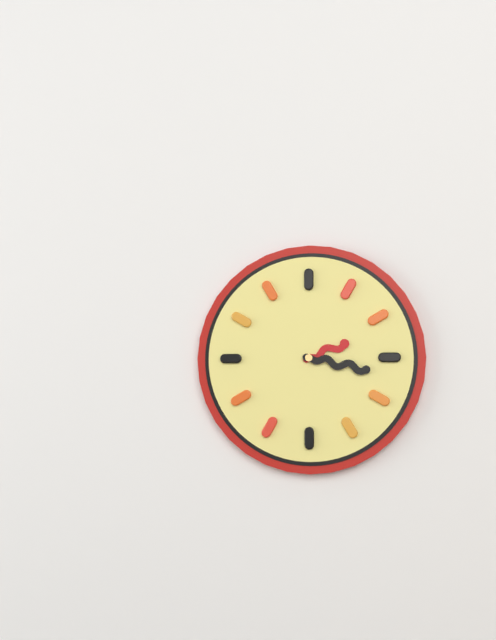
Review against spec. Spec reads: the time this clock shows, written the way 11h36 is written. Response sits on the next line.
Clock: 2h17
